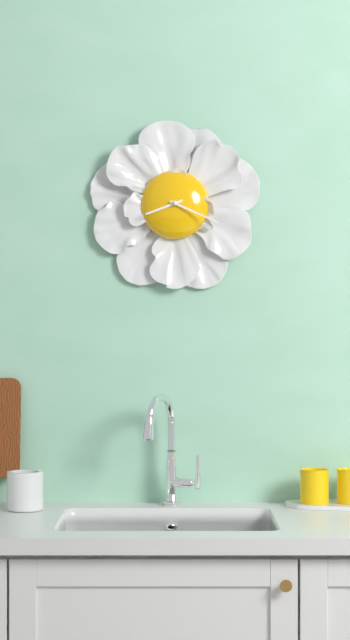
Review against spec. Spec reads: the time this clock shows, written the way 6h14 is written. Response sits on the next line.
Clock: 8h19
